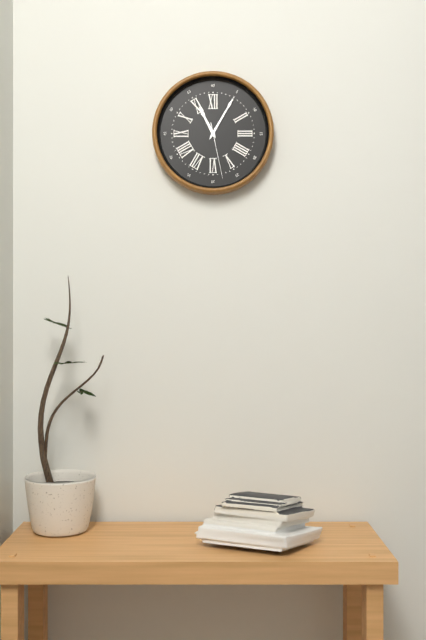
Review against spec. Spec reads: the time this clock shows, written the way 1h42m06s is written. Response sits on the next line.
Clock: 11h05m28s
